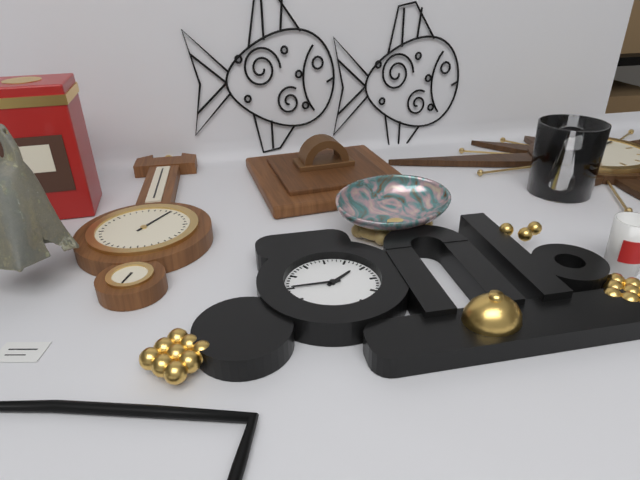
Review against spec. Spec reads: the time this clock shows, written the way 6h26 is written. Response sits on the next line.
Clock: 1h45
